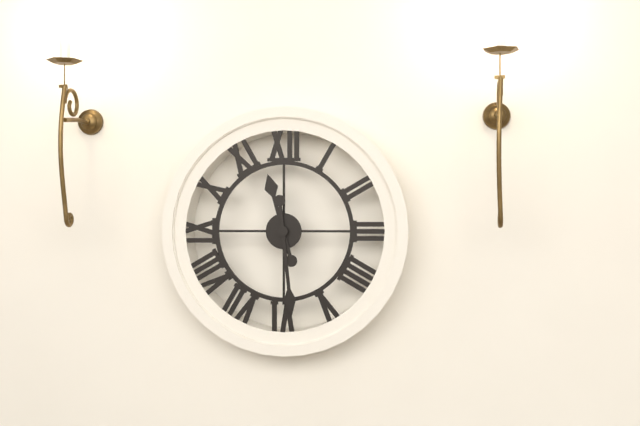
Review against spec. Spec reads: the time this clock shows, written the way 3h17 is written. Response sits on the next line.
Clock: 11h29
